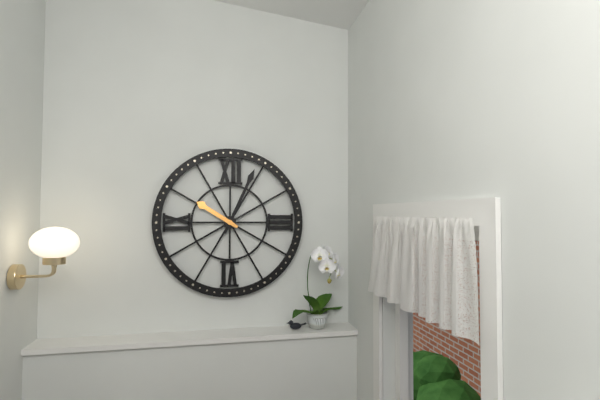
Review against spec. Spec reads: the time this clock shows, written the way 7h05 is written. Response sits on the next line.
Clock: 10h04
